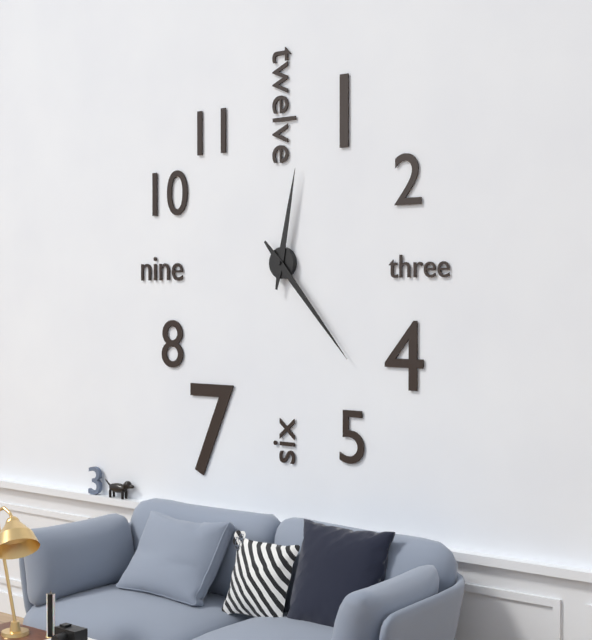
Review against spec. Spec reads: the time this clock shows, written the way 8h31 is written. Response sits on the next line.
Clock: 12h23
